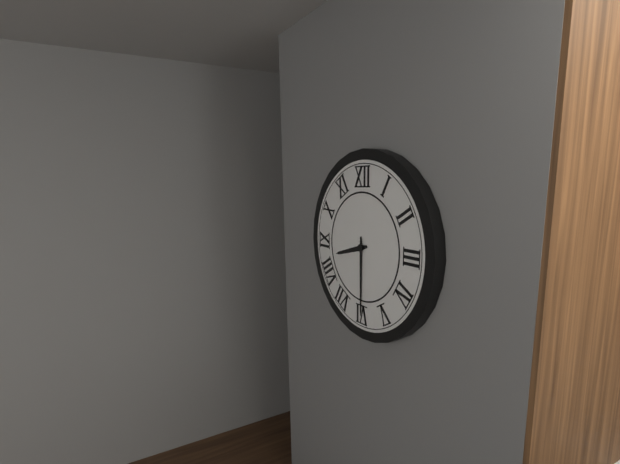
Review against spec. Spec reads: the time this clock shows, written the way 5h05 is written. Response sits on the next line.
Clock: 8h30
